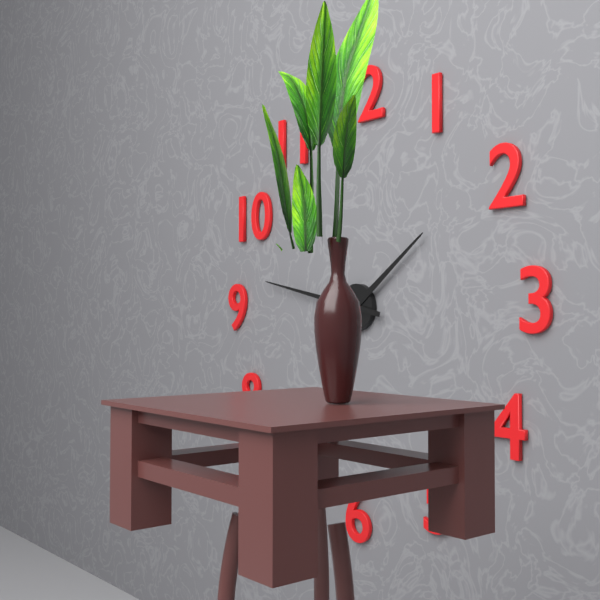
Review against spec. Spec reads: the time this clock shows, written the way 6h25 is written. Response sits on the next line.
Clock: 1h47
